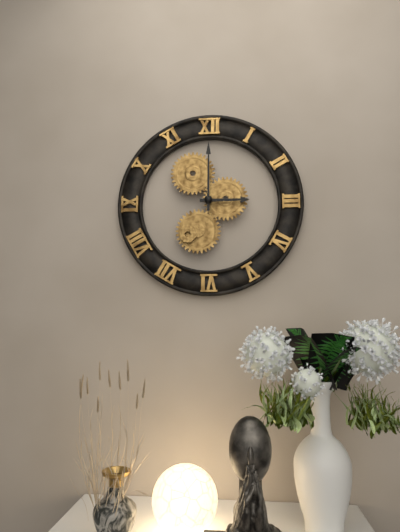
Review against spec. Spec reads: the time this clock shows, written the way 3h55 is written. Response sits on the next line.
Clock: 3h00
